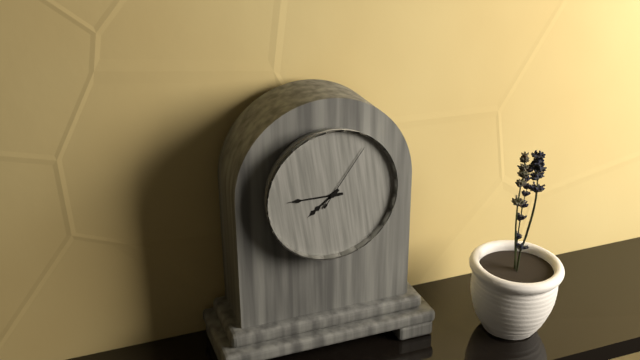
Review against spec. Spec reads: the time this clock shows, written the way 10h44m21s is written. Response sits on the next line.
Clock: 7h45m06s
